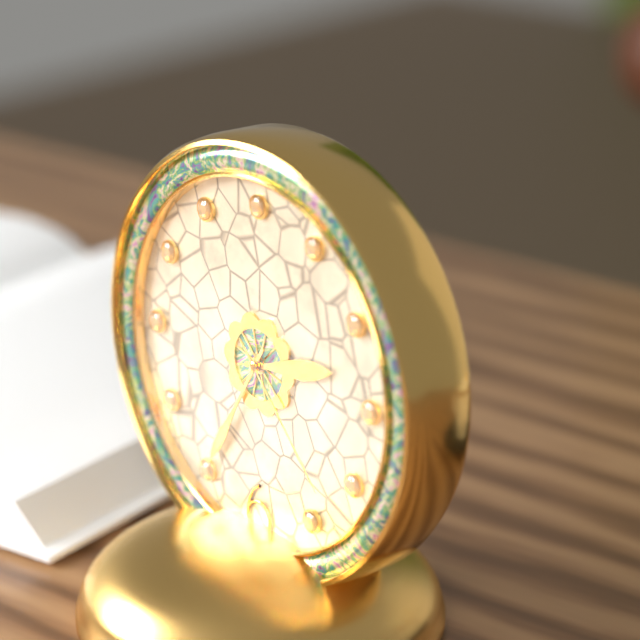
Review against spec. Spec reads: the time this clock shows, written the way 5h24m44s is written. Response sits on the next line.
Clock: 2h35m23s
